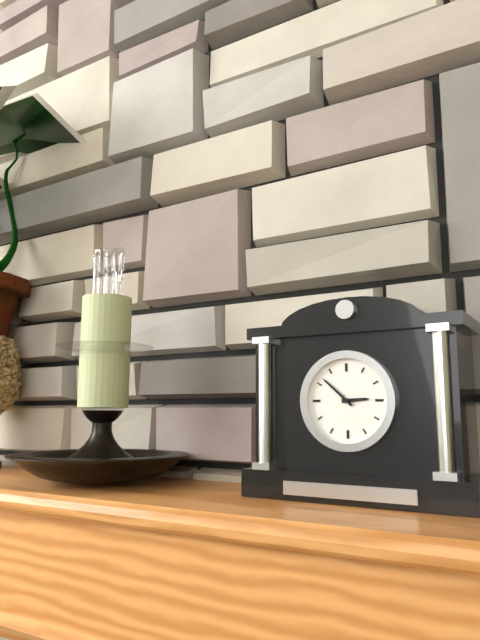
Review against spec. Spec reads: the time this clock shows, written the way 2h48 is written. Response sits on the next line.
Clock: 2h52
